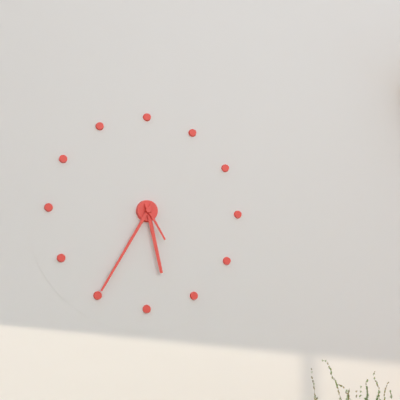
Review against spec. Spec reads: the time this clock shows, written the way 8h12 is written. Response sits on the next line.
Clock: 5h35
